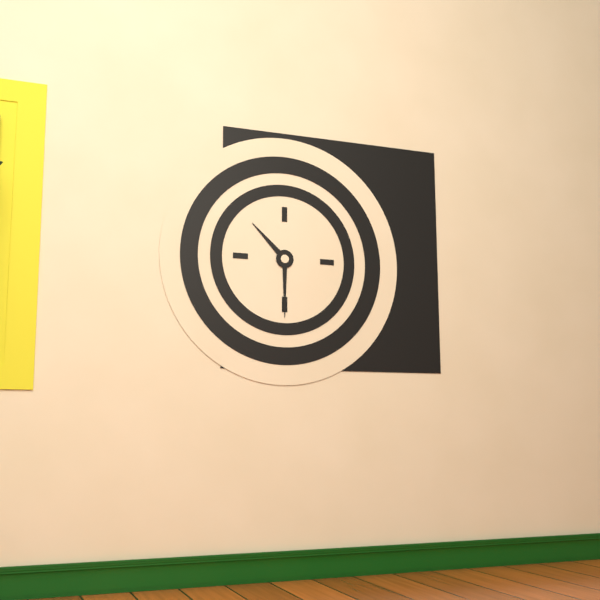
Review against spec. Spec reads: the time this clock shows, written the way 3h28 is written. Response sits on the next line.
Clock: 10h30
